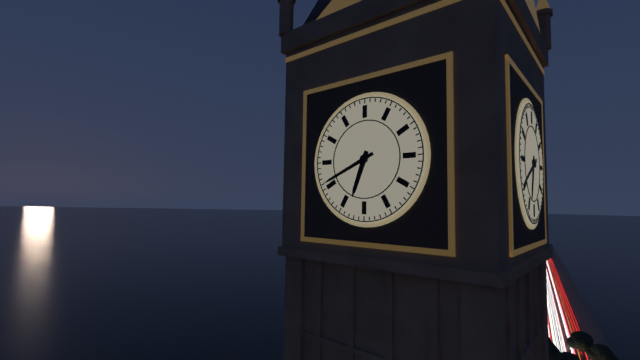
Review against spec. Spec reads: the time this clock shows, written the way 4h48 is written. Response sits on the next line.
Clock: 6h41
